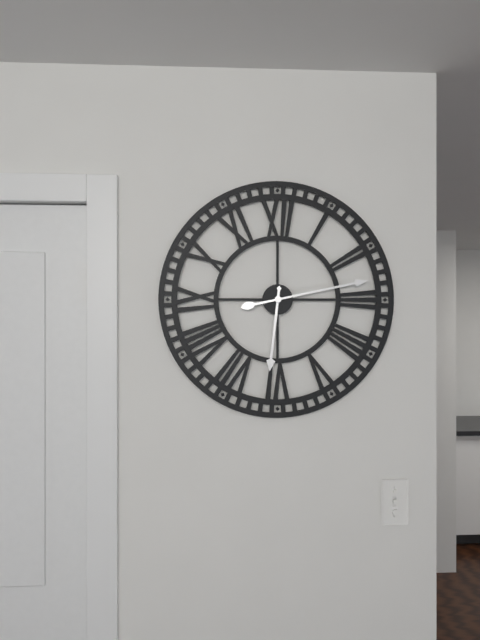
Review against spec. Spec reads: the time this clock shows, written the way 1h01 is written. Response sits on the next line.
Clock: 6h13
